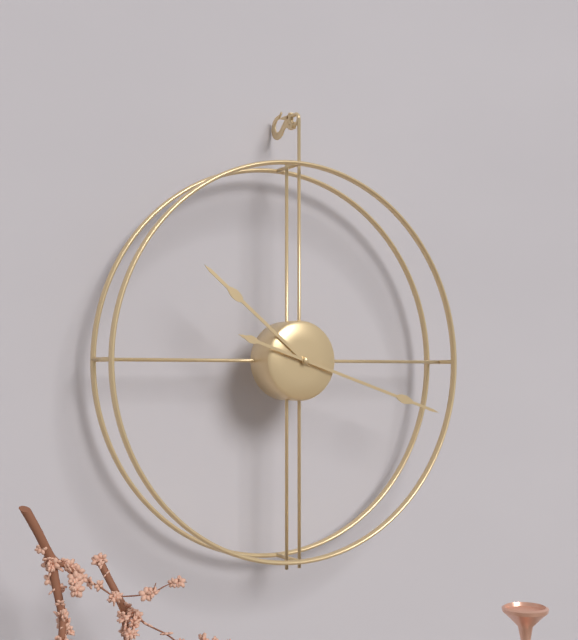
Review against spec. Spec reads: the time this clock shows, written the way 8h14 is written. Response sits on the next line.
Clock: 10h18
